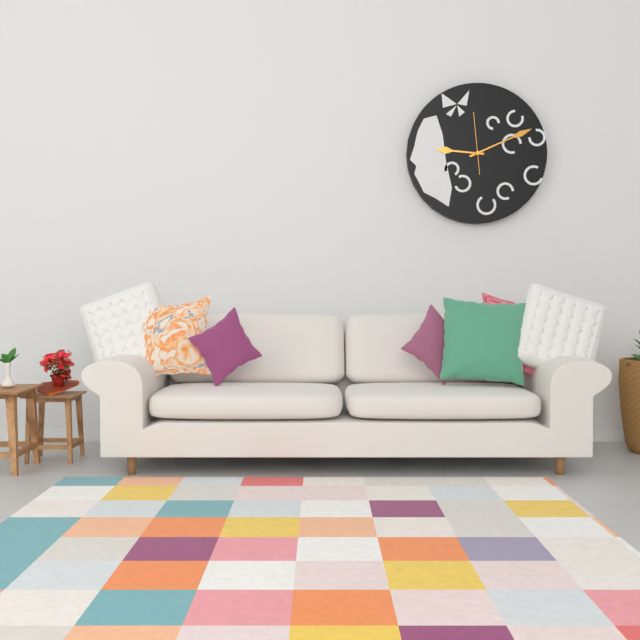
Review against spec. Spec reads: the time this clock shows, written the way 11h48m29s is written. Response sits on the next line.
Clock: 9h11m59s
